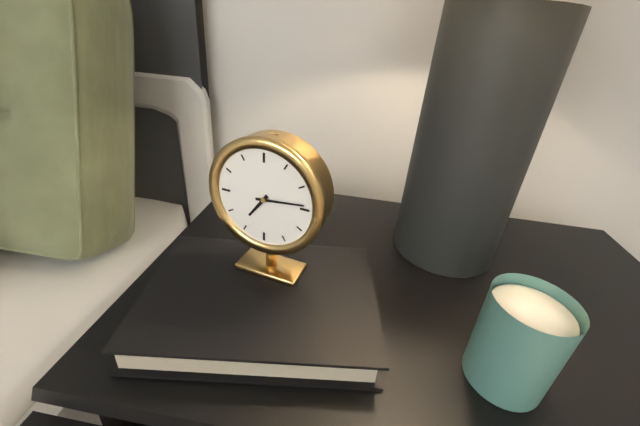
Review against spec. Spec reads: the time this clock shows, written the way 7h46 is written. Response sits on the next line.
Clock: 7h14
